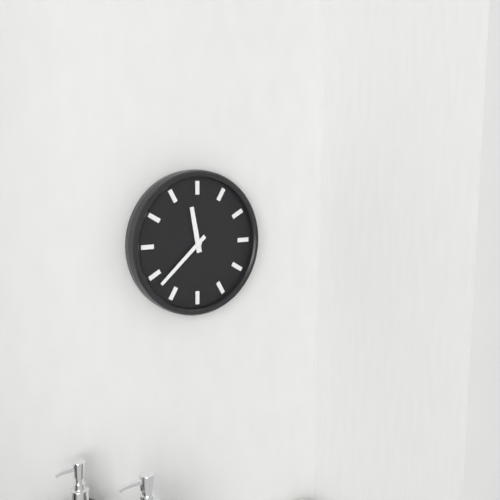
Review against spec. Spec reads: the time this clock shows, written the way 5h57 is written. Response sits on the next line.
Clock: 11h38
